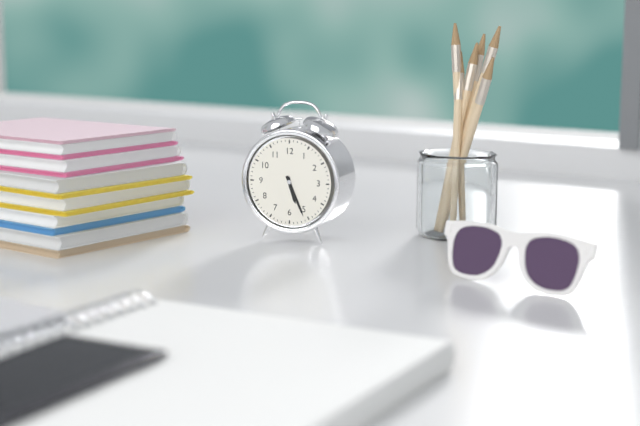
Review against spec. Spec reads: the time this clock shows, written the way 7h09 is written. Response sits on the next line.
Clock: 5h26
